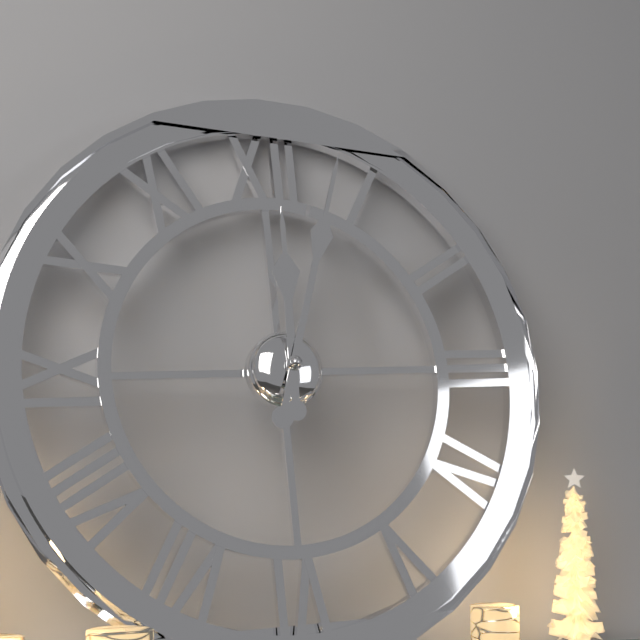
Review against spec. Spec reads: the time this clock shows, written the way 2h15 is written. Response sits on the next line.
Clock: 12h03
